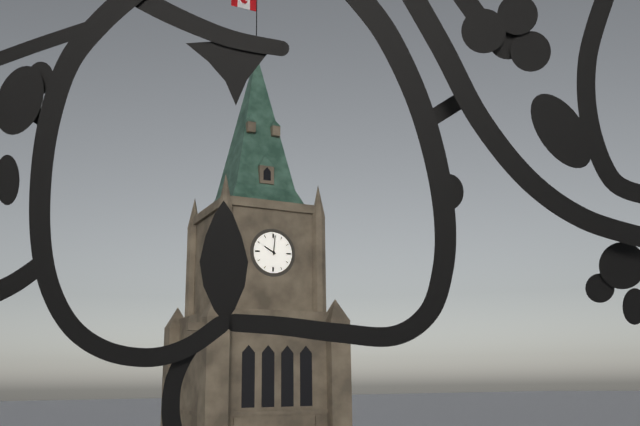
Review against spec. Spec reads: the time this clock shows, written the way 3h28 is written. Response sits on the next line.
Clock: 10h01
